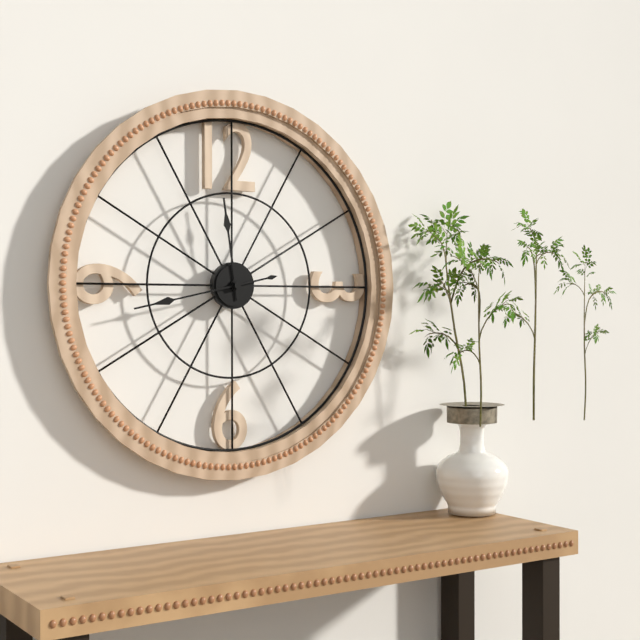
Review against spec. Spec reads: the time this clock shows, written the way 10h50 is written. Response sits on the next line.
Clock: 11h43
